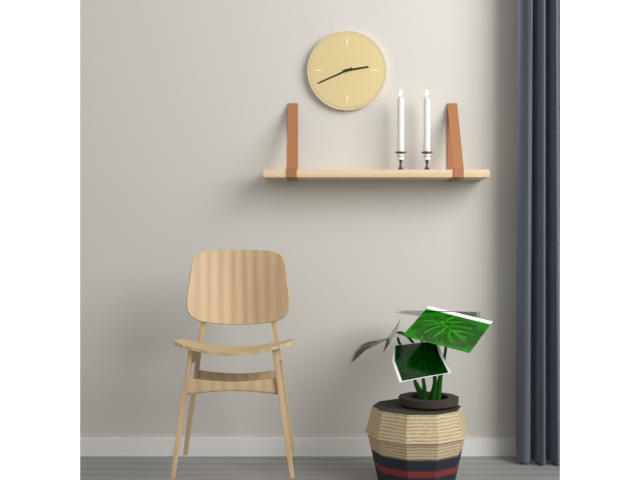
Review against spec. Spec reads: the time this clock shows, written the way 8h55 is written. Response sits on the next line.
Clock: 2h41
